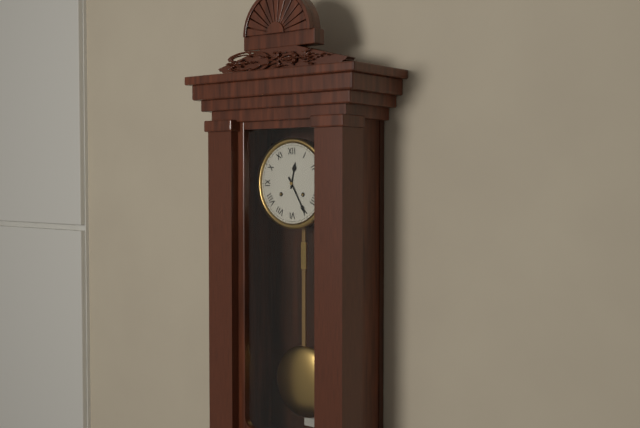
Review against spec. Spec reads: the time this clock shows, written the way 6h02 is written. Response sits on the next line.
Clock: 12h25
